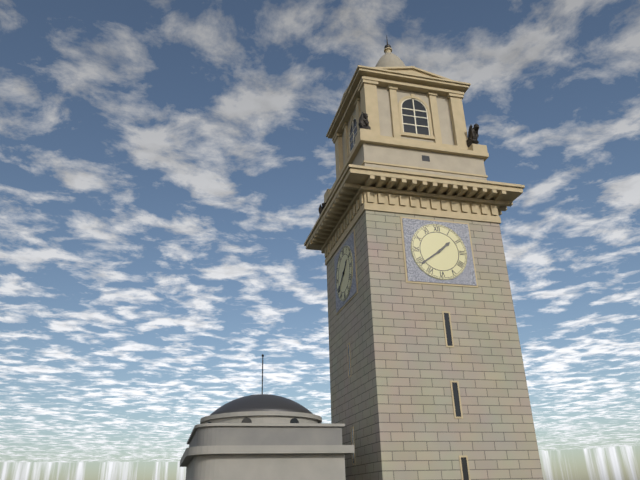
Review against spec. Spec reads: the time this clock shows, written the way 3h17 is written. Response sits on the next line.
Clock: 1h39
